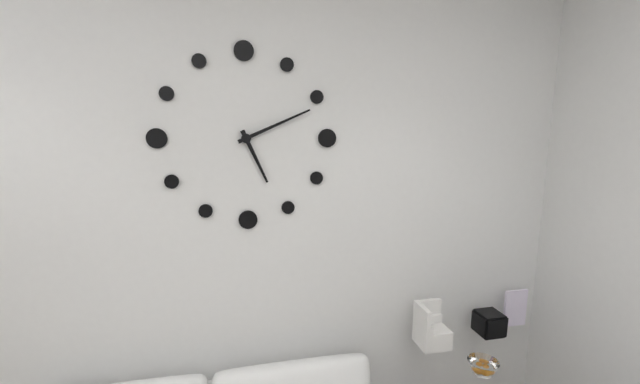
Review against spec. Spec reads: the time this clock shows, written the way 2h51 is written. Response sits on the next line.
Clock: 5h11
